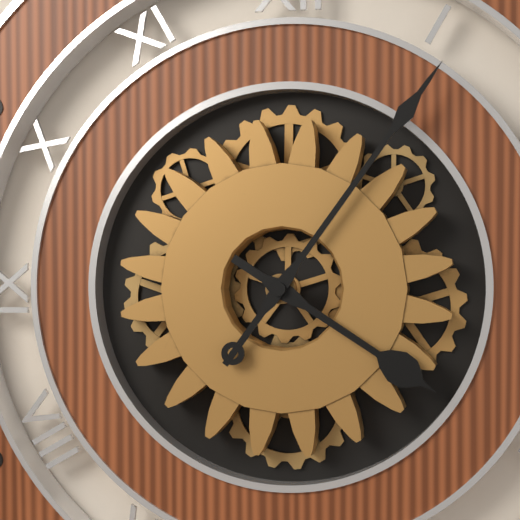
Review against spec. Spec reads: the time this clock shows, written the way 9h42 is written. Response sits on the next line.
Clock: 4h06
